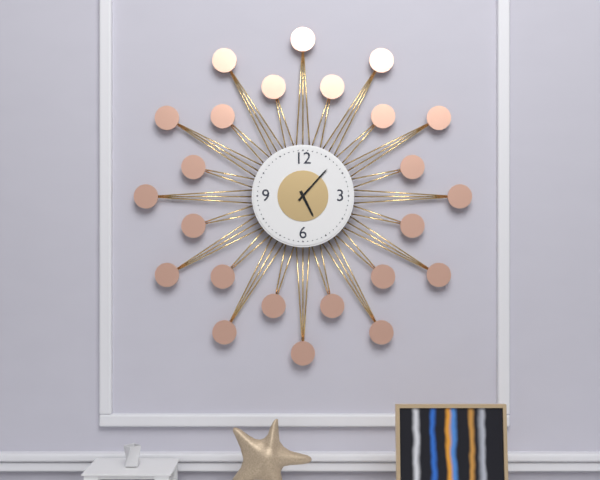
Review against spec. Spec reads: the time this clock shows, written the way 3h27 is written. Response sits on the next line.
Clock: 5h07
